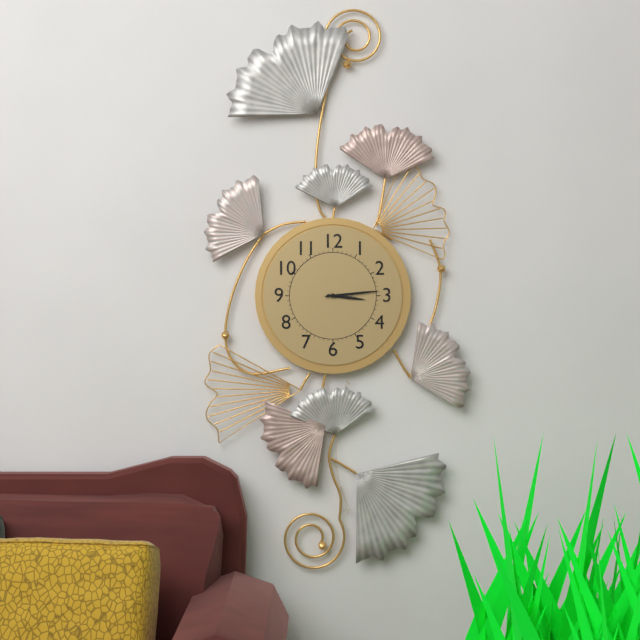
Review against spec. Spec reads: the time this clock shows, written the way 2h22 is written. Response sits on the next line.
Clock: 3h14
